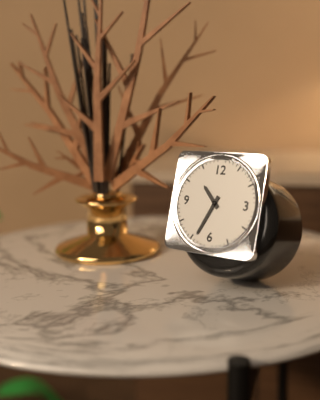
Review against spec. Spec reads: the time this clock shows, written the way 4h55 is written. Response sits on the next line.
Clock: 10h34
